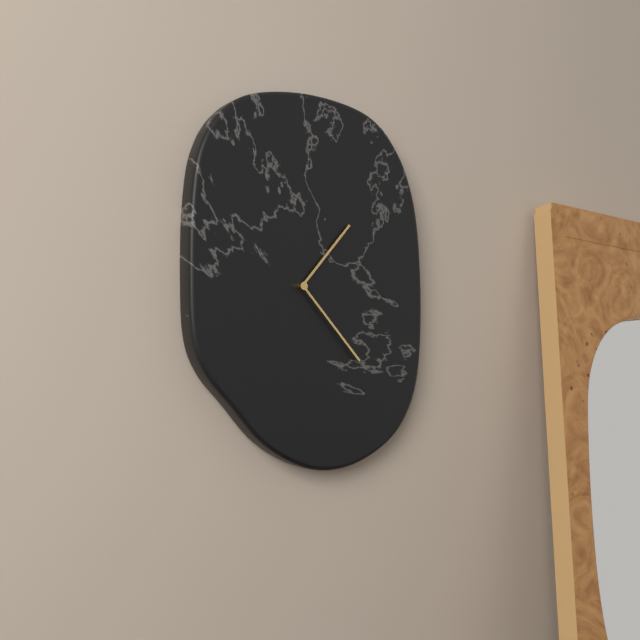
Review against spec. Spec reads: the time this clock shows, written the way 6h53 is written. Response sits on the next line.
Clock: 1h23
